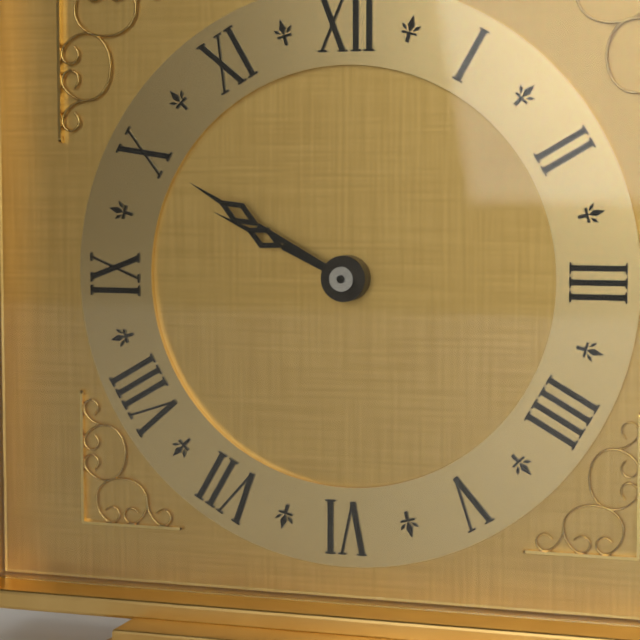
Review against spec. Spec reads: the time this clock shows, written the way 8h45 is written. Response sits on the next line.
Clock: 9h50
